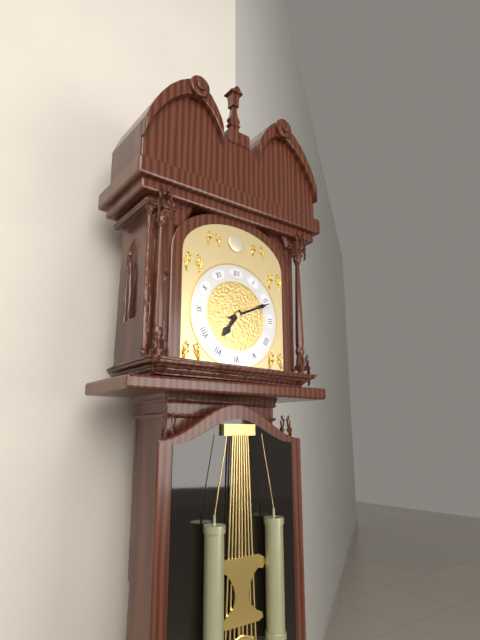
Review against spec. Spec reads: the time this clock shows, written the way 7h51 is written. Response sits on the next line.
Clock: 7h11
